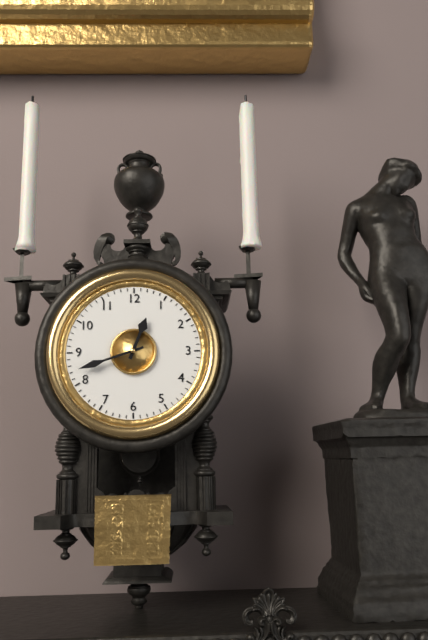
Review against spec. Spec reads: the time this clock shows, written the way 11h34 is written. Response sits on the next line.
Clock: 12h42
